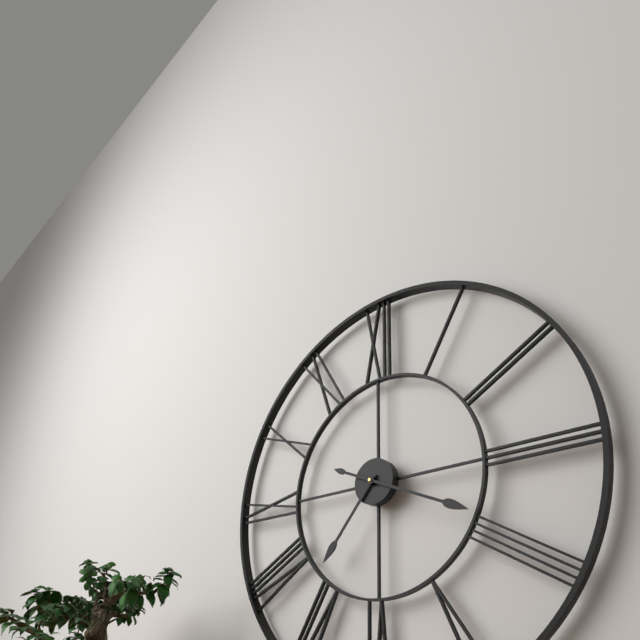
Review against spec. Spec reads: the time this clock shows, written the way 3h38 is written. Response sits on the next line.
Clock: 7h19
